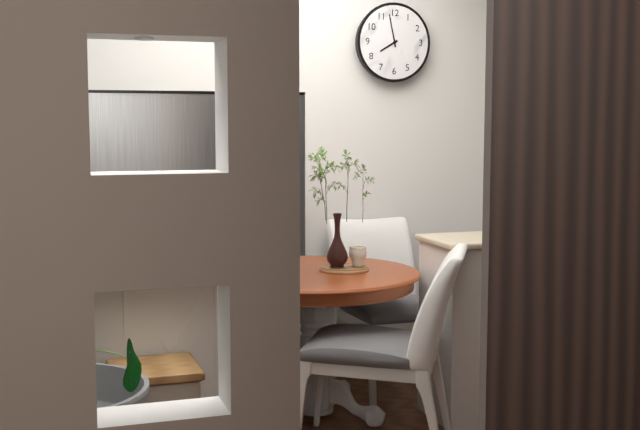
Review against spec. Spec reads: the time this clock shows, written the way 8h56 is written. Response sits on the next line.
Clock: 7h58
